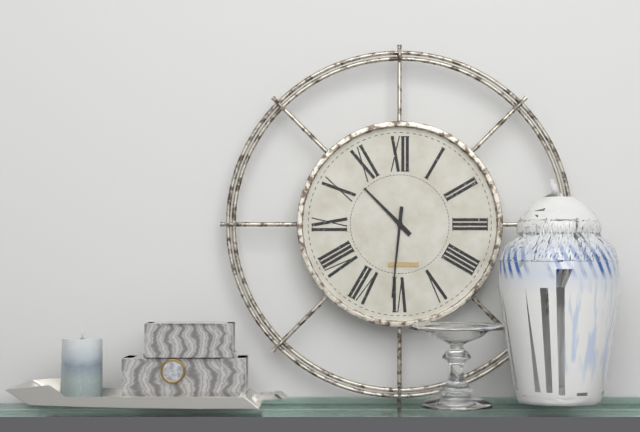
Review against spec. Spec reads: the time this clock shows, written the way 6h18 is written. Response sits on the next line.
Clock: 10h31
